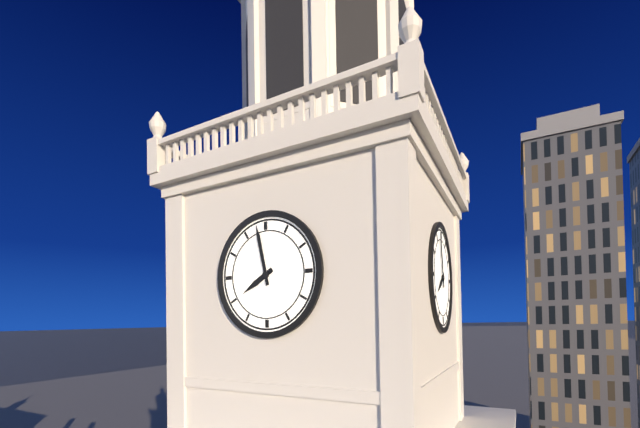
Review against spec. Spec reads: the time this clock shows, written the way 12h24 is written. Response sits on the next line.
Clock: 7h58
